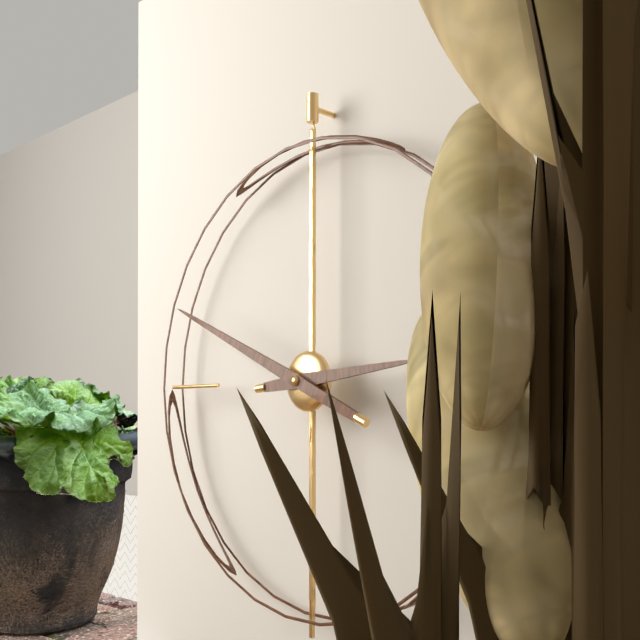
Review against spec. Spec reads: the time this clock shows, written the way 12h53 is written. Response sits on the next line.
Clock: 2h49
